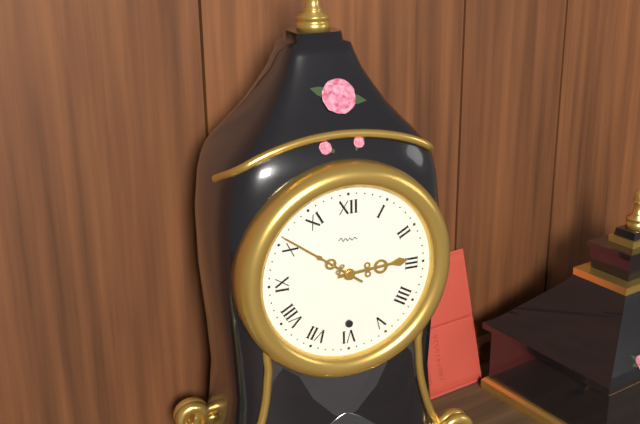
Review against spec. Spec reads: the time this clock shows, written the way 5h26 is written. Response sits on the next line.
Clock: 2h51
